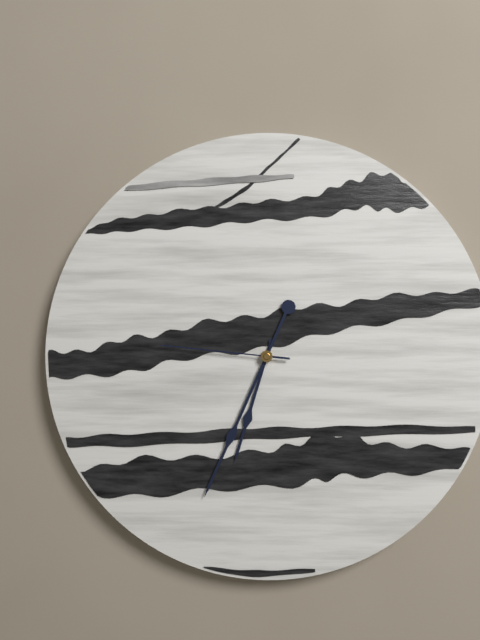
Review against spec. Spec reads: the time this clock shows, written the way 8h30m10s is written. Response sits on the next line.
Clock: 6h34m46s
